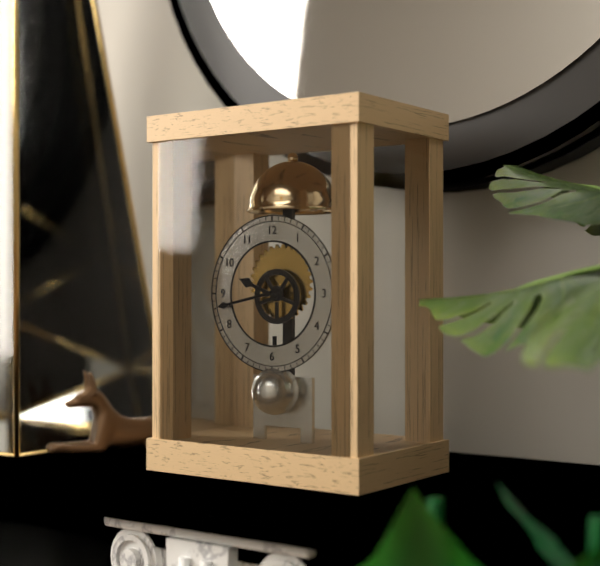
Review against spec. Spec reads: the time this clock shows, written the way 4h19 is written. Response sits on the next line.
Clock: 9h43
